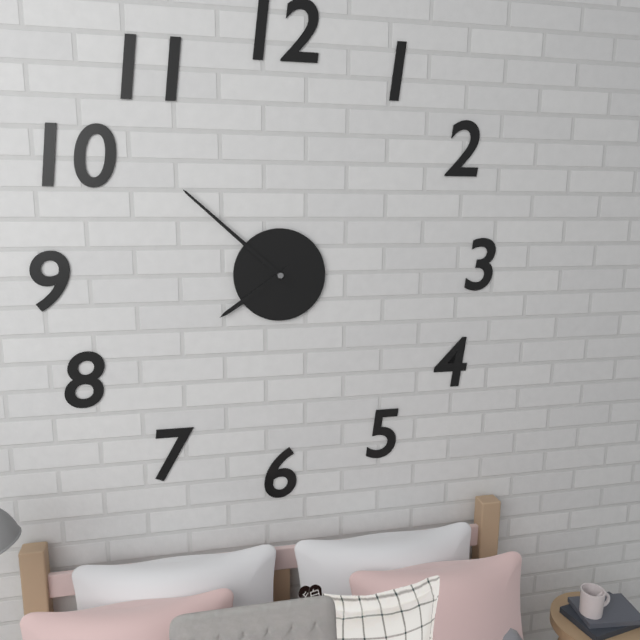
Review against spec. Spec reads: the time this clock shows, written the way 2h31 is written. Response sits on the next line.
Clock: 7h52
